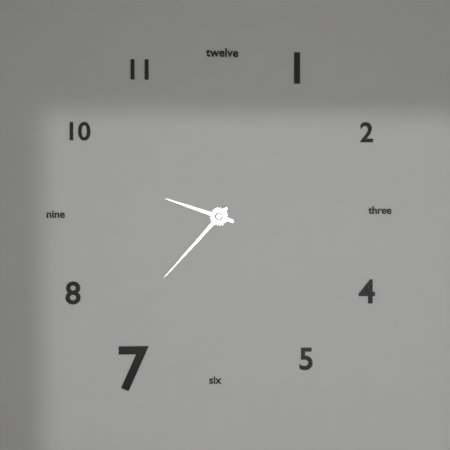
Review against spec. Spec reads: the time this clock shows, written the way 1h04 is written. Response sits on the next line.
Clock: 9h37
